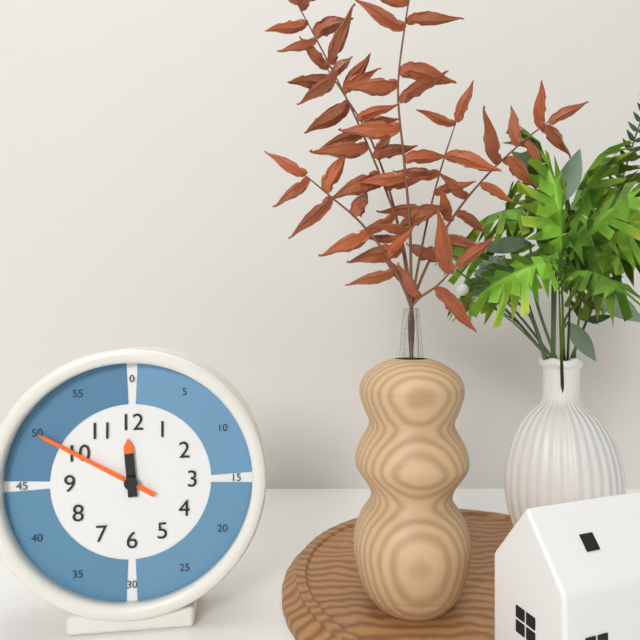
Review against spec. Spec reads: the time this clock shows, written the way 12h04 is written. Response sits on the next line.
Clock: 11h50
